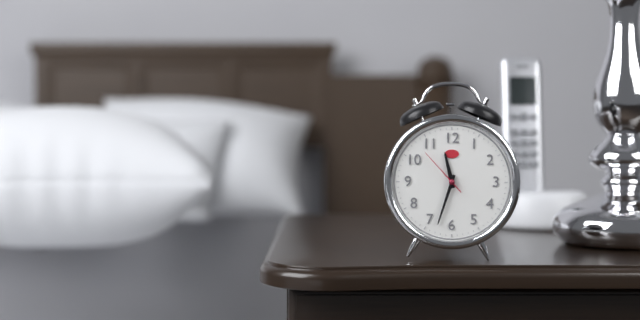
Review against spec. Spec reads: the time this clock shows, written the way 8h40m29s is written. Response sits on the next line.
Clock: 11h33m53s
